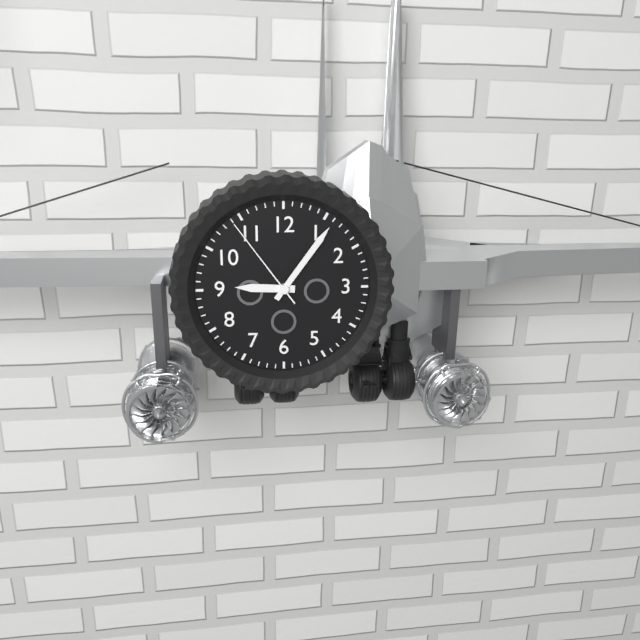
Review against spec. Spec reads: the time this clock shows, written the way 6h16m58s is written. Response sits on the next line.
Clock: 9h06m54s
